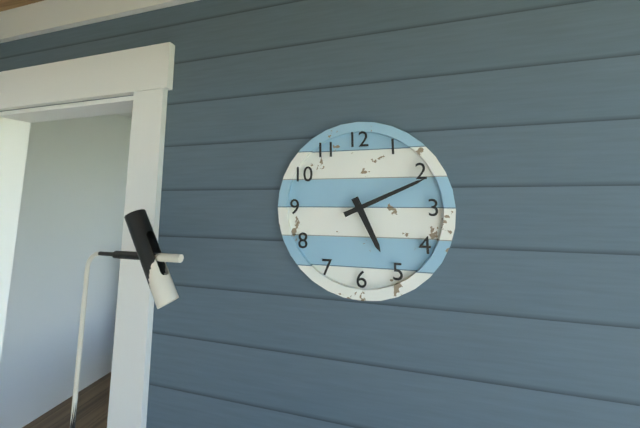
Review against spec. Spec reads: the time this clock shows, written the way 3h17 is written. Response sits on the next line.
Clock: 5h11
